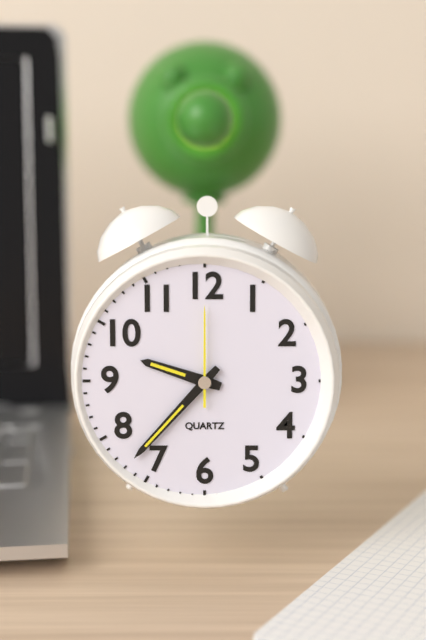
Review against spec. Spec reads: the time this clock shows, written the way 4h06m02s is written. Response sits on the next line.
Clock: 9h37m00s
